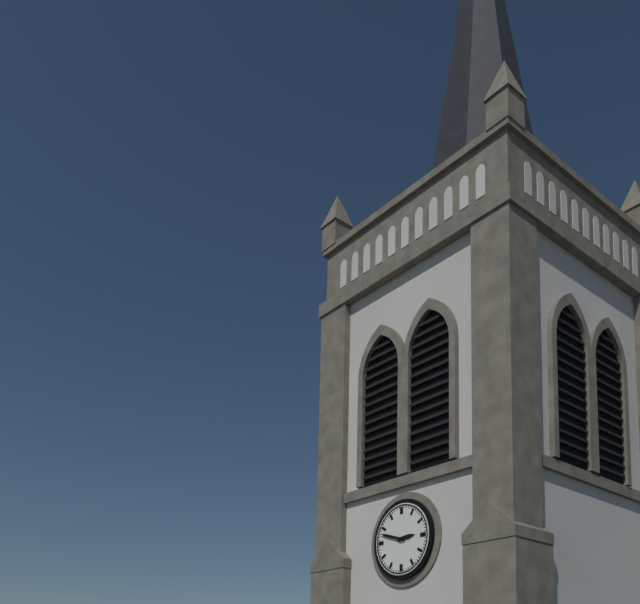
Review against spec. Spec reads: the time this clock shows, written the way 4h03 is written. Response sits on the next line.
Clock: 2h48
